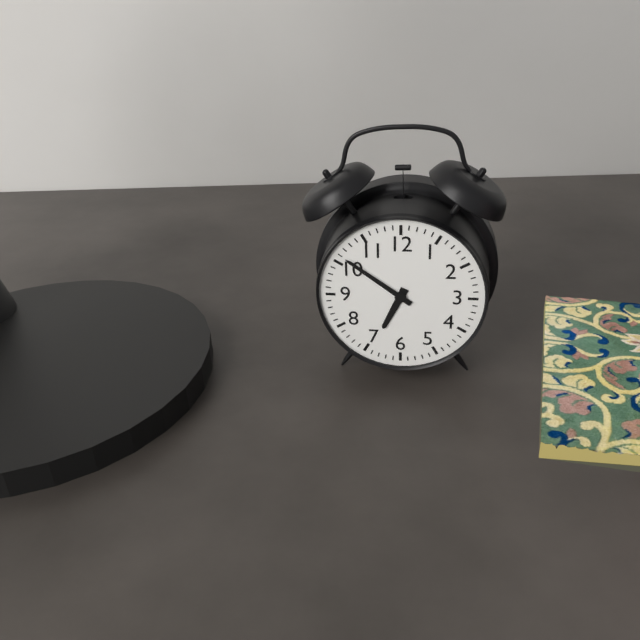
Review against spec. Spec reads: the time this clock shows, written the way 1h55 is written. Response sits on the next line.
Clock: 6h51
